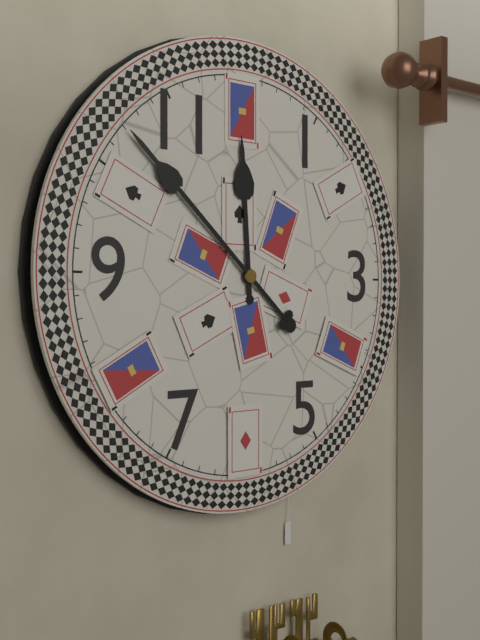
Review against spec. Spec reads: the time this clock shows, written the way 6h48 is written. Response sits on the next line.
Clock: 11h52
